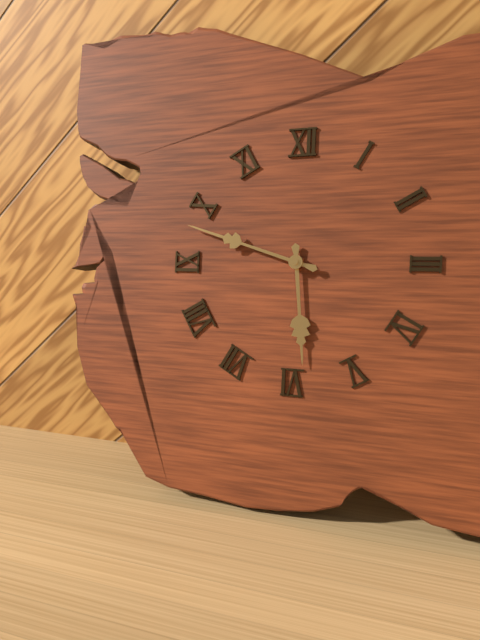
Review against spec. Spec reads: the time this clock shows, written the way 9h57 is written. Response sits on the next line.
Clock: 5h48
